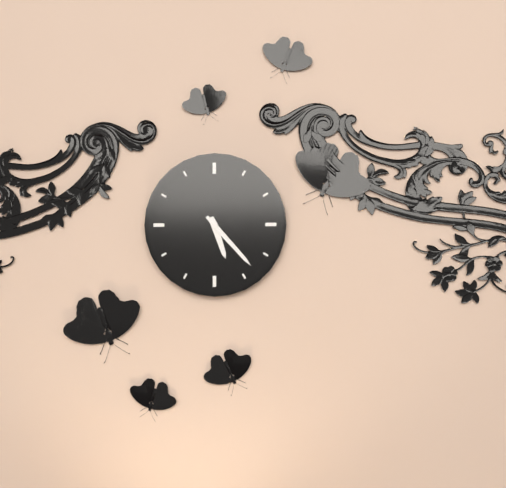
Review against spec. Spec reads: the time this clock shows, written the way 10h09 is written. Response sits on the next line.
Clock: 5h23
